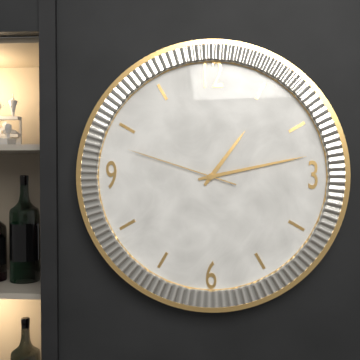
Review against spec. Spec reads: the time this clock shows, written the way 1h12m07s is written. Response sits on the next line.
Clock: 1h13m48s
